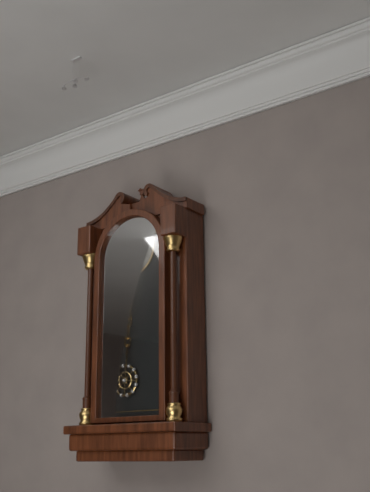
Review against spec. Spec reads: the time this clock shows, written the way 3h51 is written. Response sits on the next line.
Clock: 8h37
